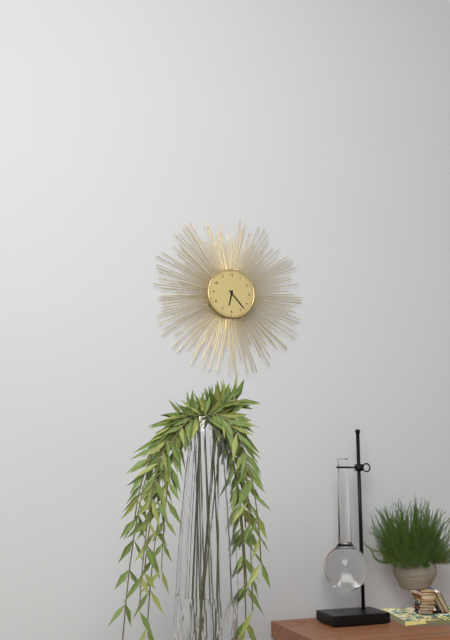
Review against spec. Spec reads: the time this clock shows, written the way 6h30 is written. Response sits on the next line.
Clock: 6h23
